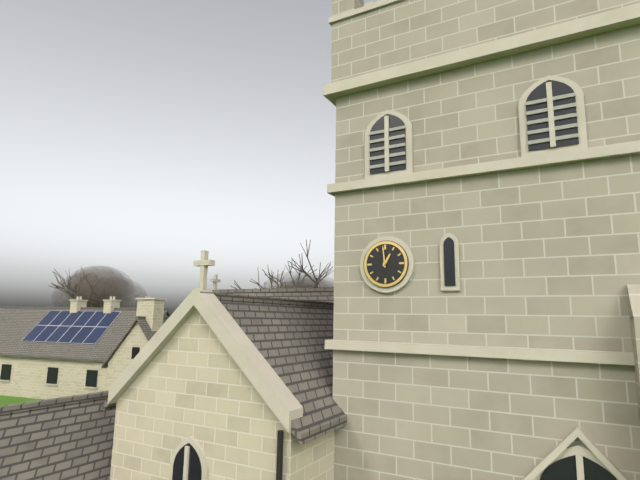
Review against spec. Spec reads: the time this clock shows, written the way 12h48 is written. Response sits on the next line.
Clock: 12h59
